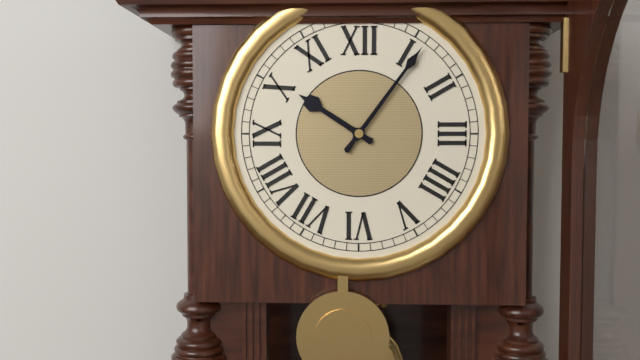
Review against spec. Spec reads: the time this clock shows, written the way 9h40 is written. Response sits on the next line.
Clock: 10h06
